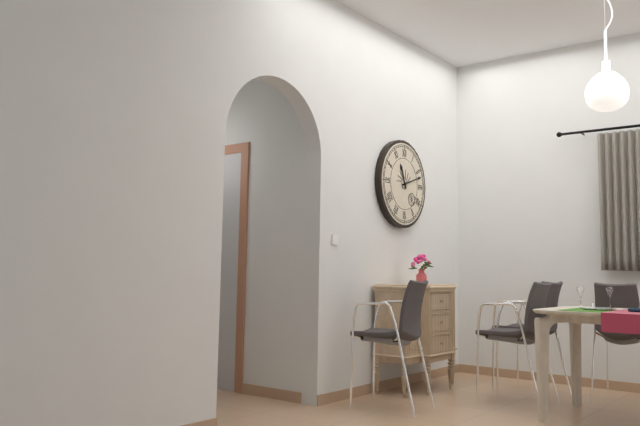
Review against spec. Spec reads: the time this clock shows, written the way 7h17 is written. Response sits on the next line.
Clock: 11h12
